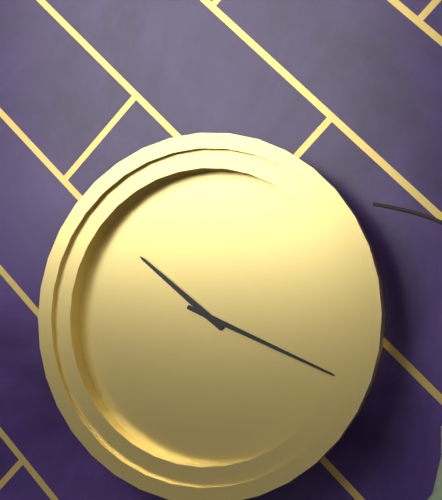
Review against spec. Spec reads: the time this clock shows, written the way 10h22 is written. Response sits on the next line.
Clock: 10h19
